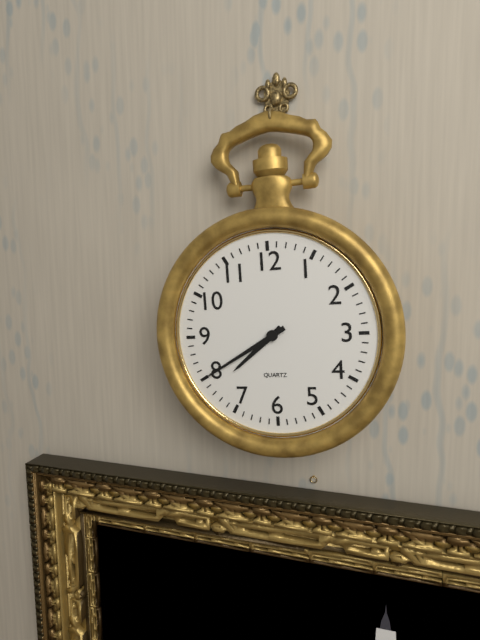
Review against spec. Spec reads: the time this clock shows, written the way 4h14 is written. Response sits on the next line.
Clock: 7h40
